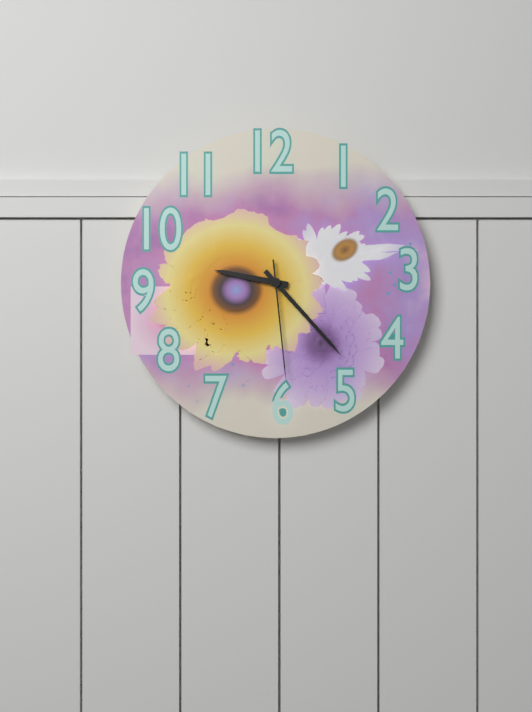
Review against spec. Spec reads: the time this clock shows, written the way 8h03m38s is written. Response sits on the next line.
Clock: 9h23m29s
